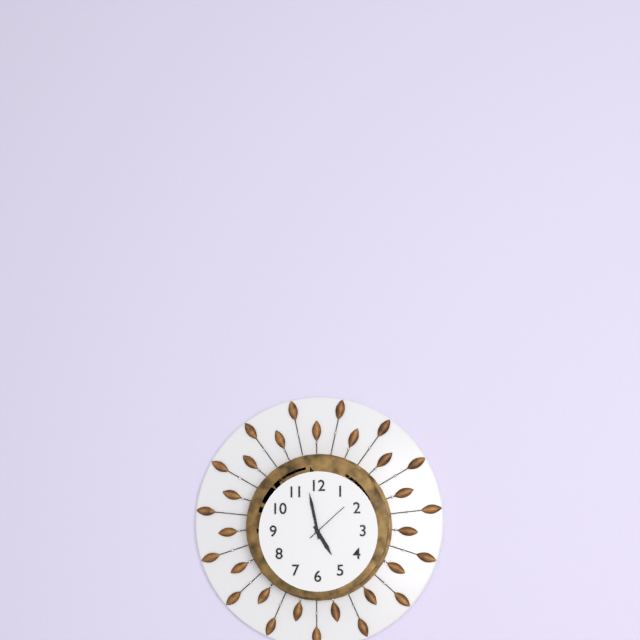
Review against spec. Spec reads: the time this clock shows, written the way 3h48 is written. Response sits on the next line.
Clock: 4h58
